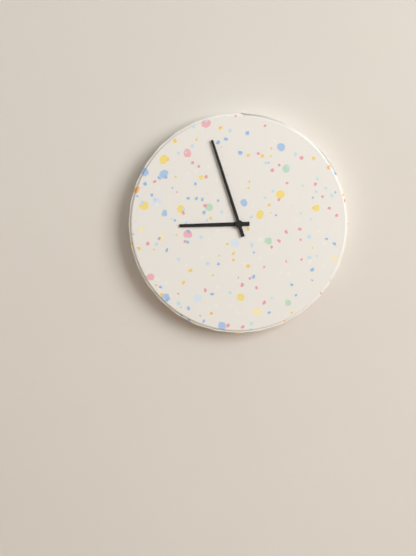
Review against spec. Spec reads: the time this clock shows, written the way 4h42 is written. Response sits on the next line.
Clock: 8h57
